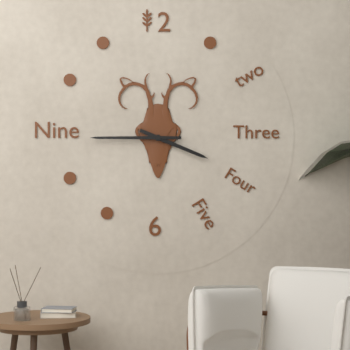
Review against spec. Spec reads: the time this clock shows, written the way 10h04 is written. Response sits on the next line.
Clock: 3h45
